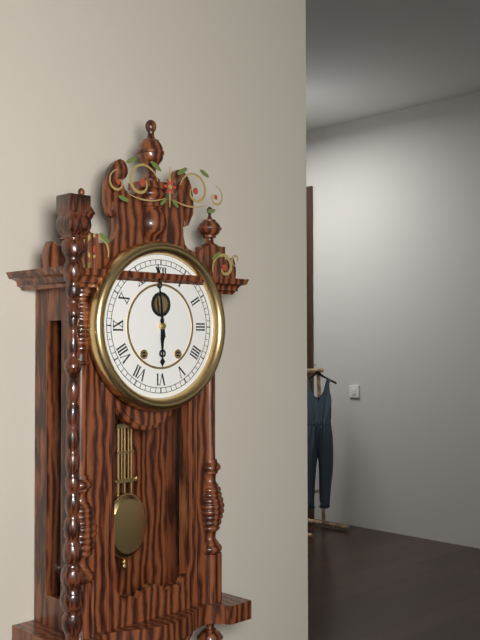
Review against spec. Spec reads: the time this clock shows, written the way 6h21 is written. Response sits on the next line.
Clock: 5h59
